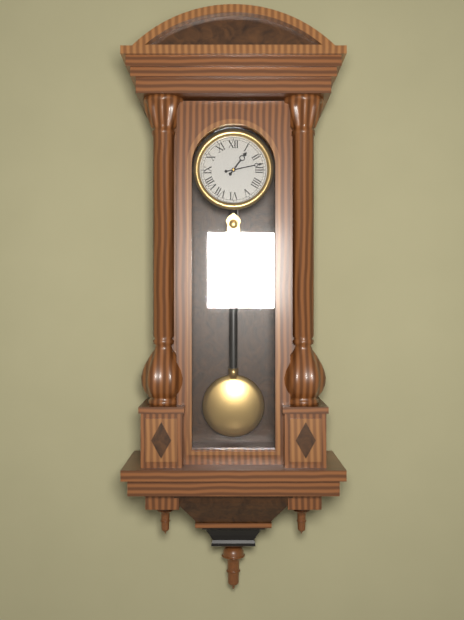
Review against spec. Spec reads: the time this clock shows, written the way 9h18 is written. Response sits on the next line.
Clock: 1h13
